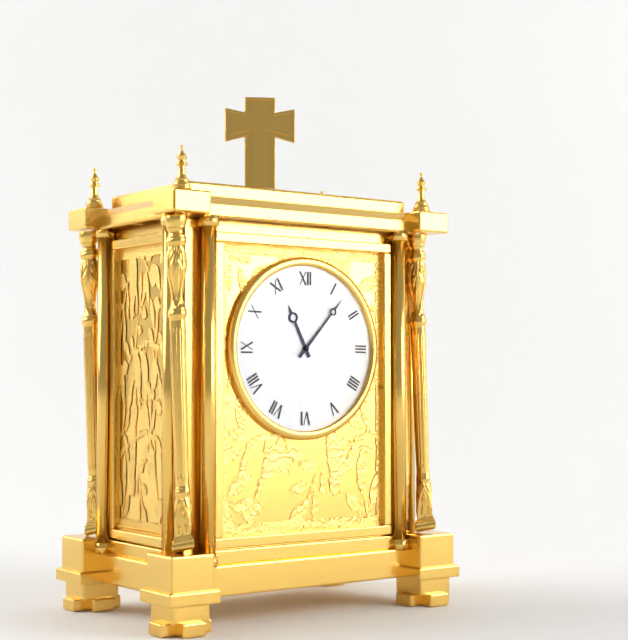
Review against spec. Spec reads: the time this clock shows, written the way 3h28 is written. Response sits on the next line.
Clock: 11h07
